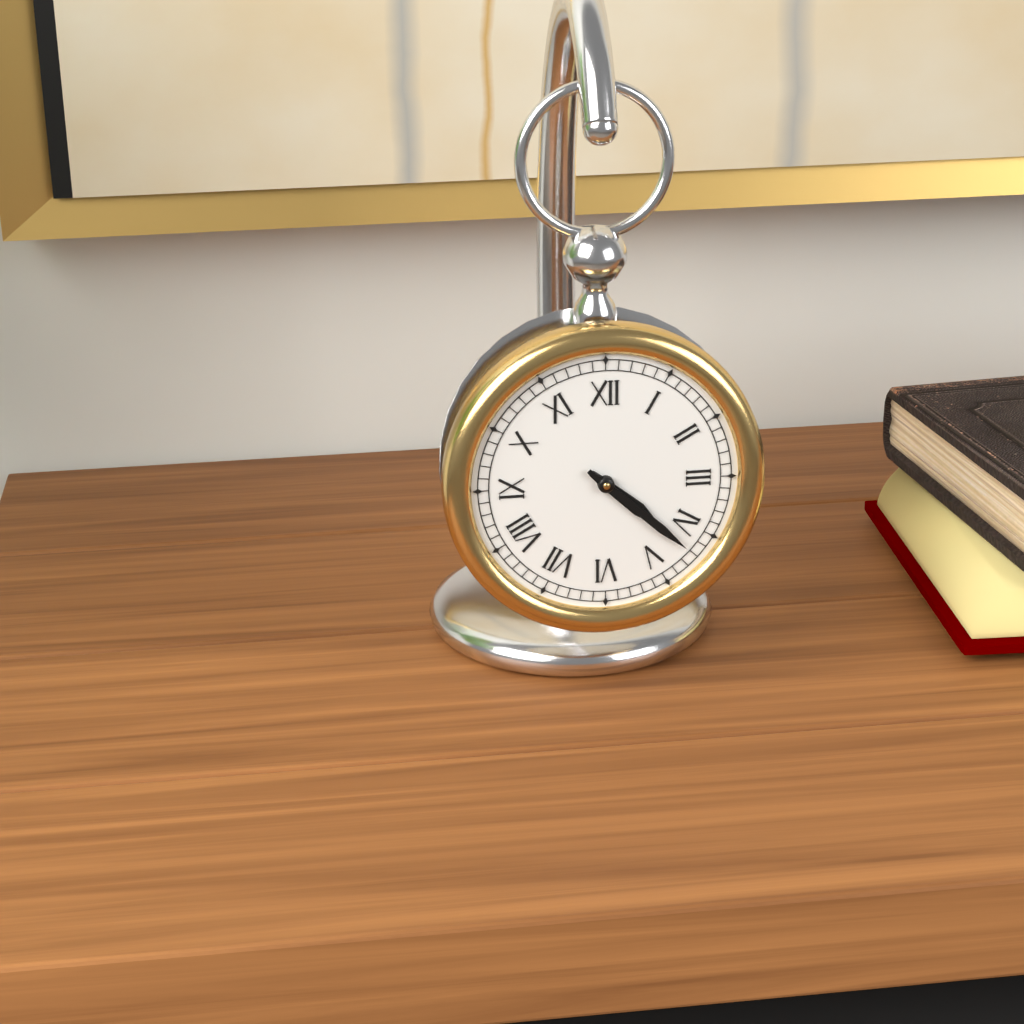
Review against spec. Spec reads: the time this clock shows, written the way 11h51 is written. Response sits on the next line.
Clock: 4h22
